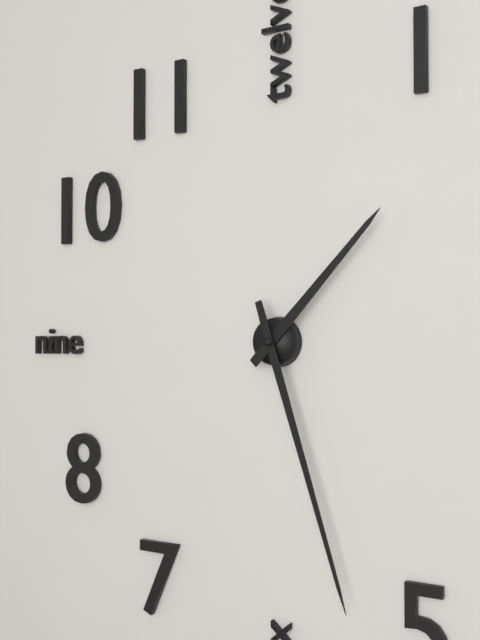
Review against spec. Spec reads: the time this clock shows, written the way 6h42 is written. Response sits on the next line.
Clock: 1h27
